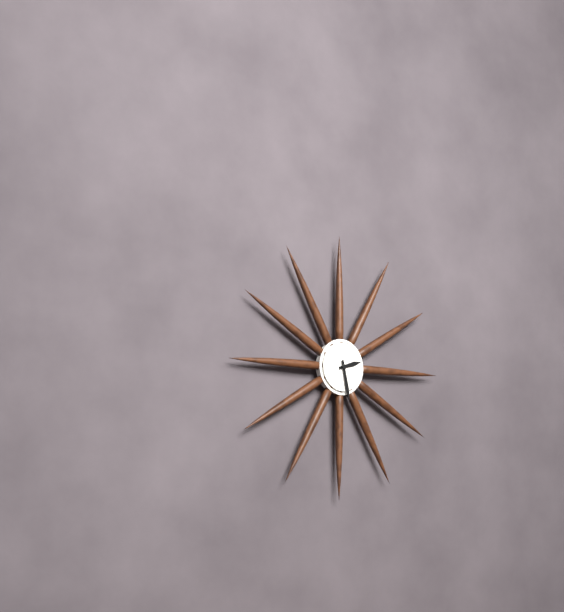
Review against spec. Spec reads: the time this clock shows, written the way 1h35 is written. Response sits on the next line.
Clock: 2h28
